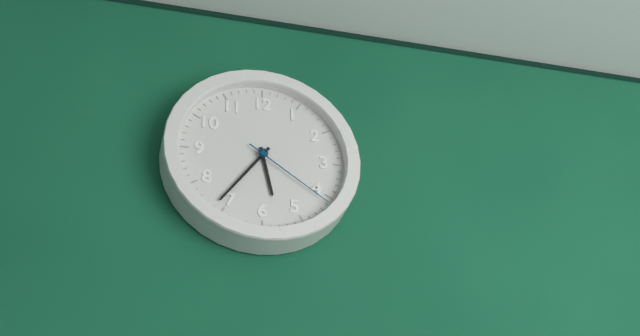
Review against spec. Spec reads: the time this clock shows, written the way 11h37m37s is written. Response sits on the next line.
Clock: 5h36m21s
